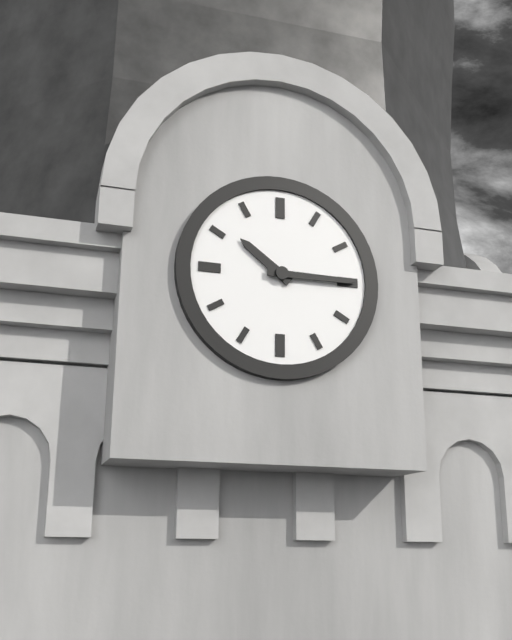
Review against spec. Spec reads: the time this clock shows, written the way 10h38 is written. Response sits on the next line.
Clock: 10h15
